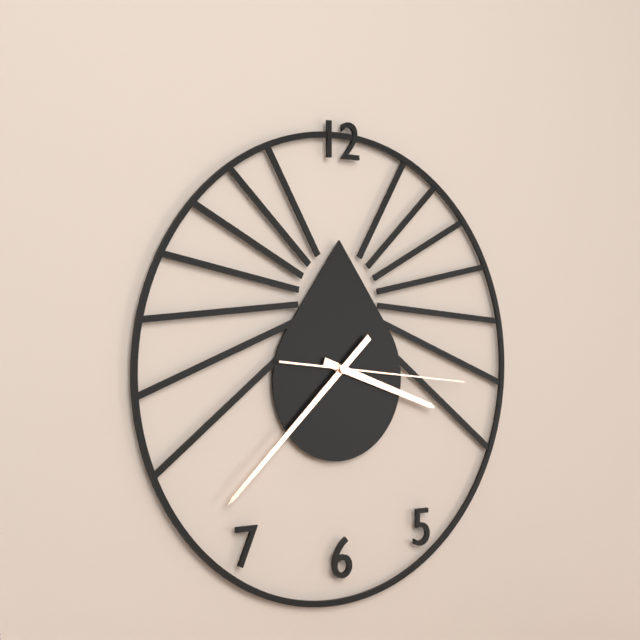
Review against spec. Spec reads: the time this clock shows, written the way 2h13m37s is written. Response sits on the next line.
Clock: 3h38m16s
